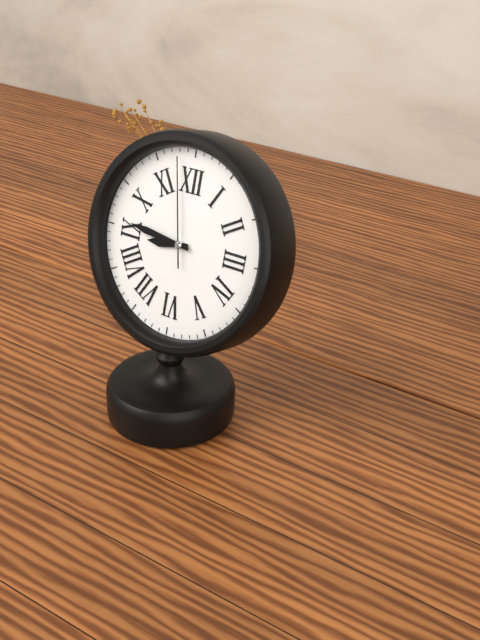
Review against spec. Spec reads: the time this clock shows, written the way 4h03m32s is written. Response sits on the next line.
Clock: 8h46m58s
